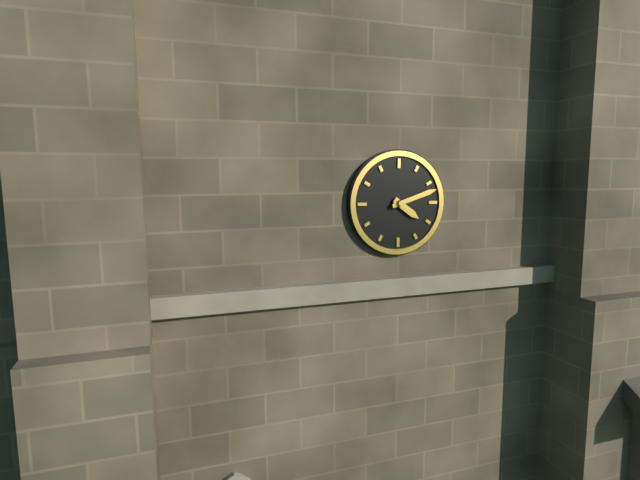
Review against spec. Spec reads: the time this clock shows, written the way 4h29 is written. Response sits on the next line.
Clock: 4h12
